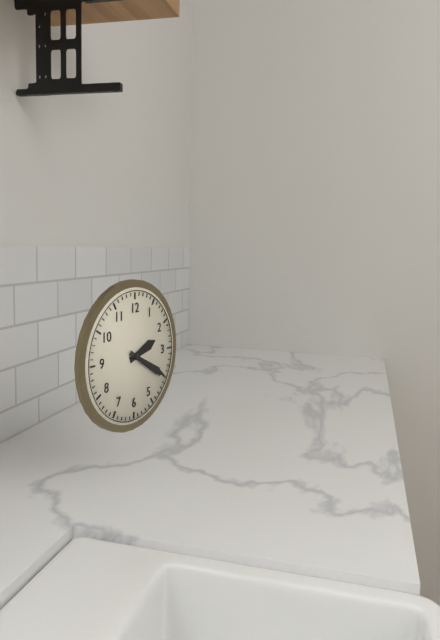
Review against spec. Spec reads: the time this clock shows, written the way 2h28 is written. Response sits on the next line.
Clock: 2h20
